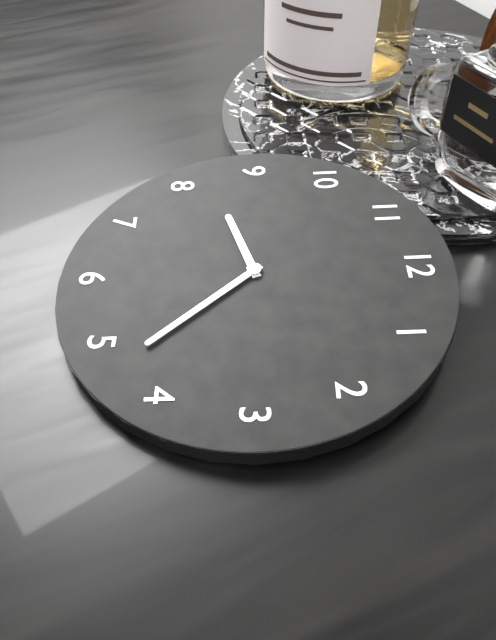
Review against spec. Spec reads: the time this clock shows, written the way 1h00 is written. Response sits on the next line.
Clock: 8h23
